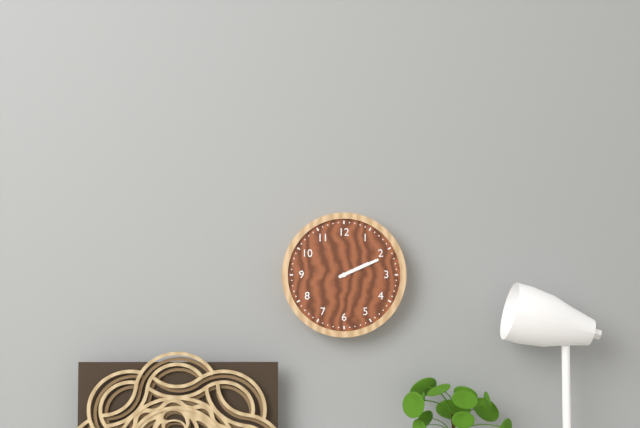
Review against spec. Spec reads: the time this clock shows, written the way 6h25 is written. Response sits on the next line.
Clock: 2h11
